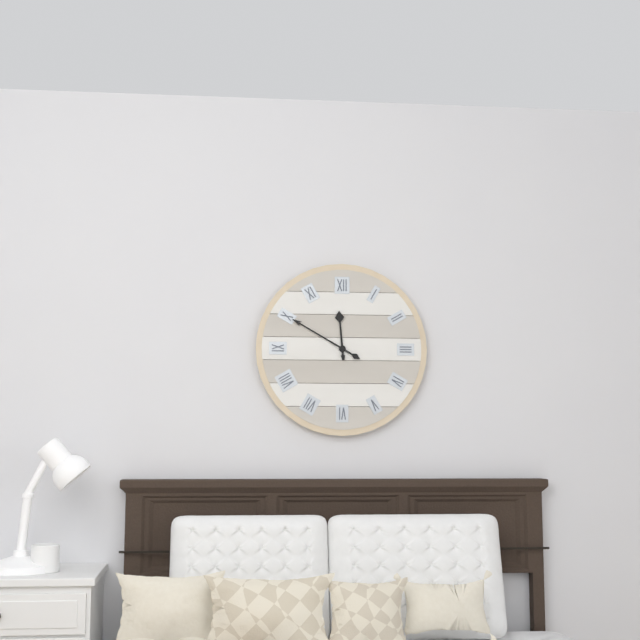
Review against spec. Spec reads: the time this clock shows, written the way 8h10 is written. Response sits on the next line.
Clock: 11h50
